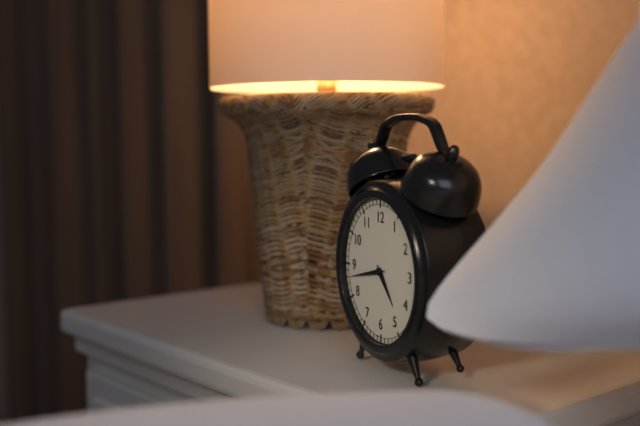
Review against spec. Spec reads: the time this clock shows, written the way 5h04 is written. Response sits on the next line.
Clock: 4h43
